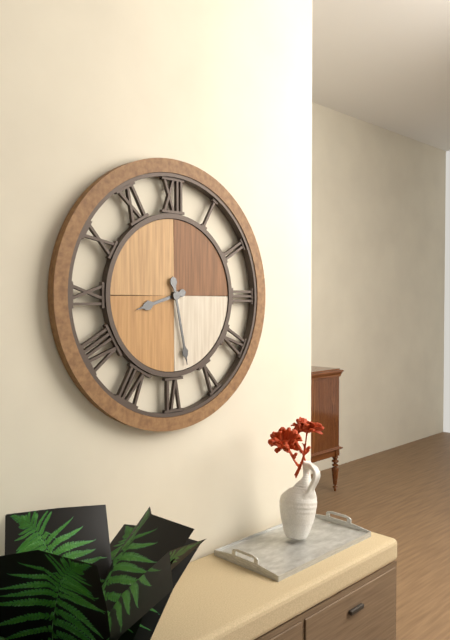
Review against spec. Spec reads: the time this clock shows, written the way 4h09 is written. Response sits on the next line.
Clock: 8h28
